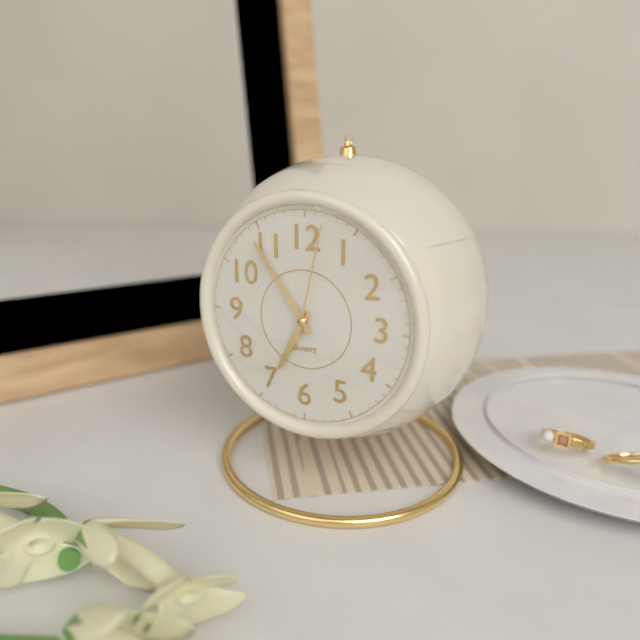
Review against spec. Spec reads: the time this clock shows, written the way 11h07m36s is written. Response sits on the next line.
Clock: 6h54m02s
